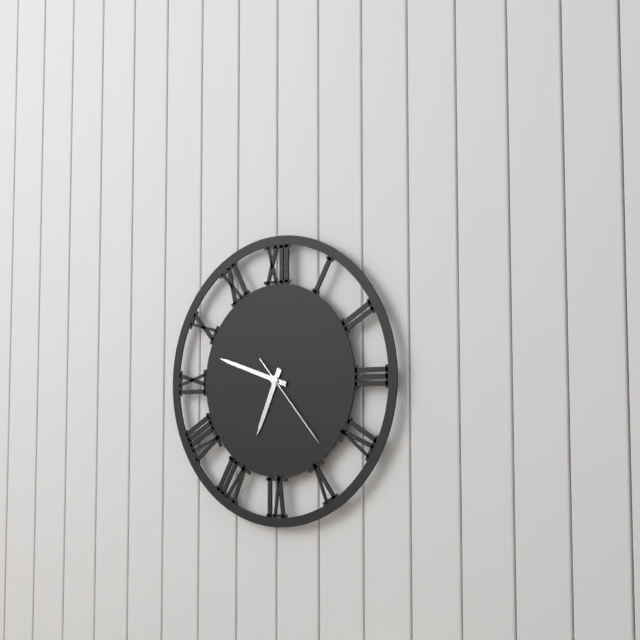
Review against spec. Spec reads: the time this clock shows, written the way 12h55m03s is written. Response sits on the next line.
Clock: 6h48m23s
